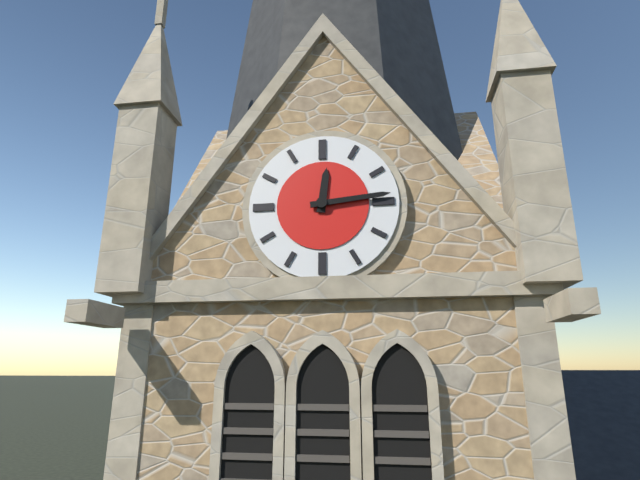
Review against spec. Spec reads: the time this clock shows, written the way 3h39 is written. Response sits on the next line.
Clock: 12h14
